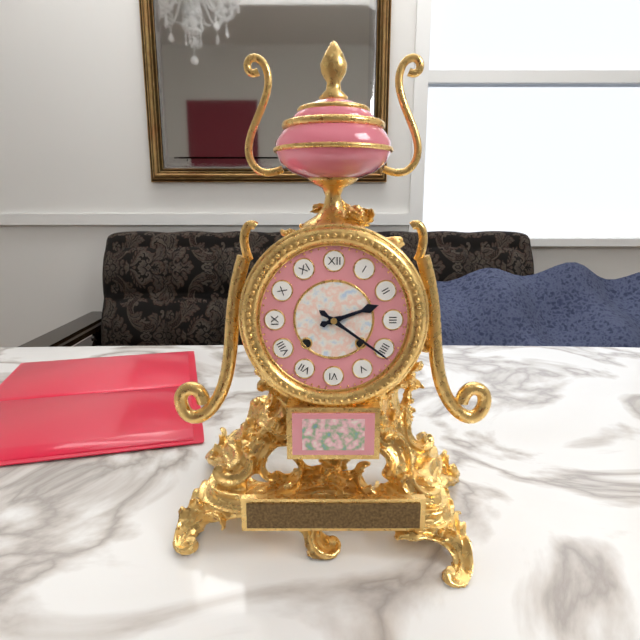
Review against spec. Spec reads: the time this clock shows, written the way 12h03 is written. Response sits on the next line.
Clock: 2h21
